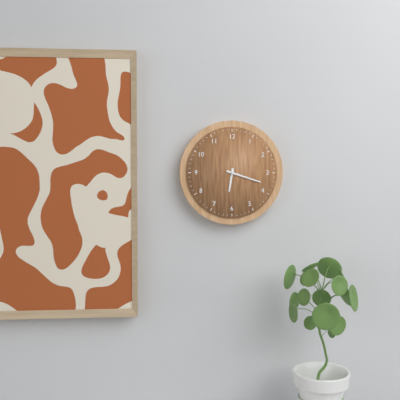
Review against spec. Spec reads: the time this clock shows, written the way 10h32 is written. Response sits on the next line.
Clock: 6h18
